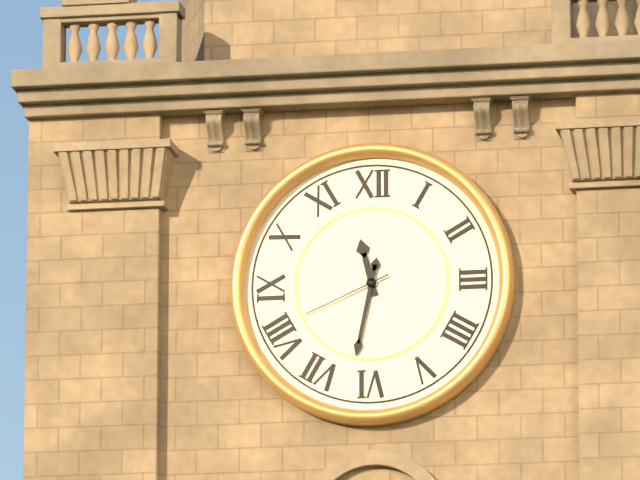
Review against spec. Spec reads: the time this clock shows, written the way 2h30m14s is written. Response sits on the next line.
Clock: 11h32m41s
